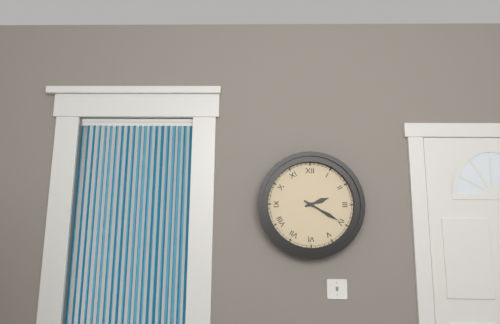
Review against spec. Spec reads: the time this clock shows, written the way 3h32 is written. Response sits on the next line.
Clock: 2h20
